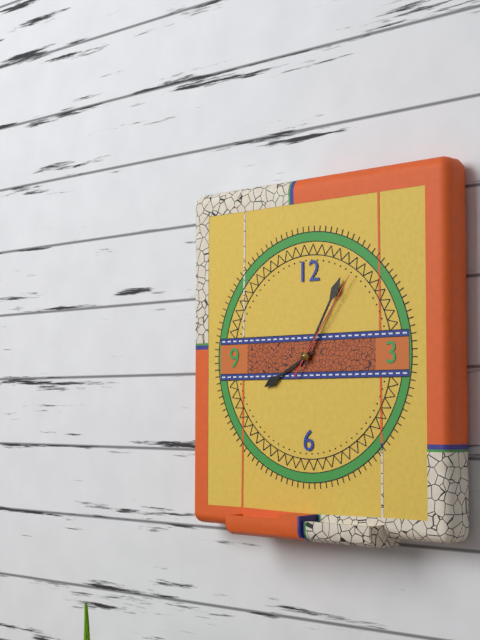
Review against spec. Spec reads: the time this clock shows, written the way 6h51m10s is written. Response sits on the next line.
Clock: 8h05m06s
